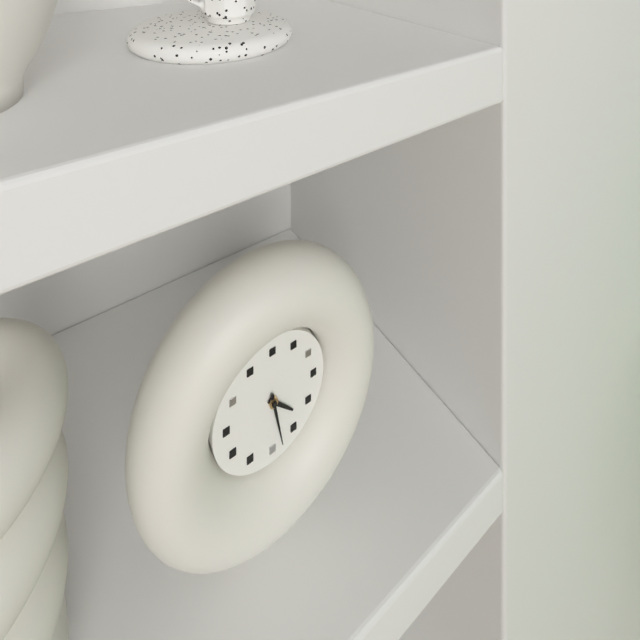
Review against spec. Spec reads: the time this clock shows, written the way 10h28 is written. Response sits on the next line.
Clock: 4h28
